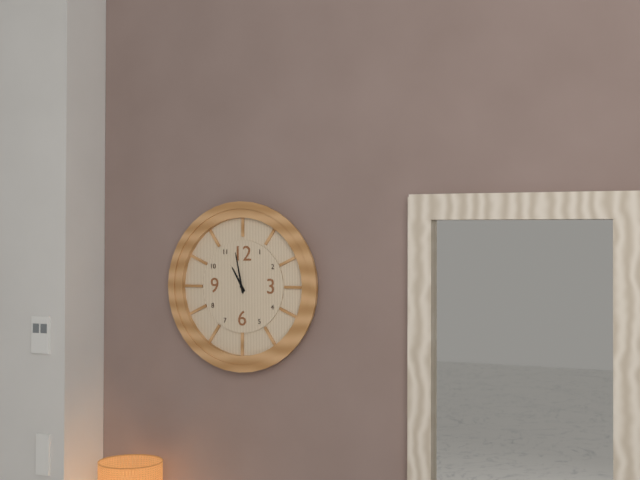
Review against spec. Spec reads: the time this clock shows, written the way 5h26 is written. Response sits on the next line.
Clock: 10h58
